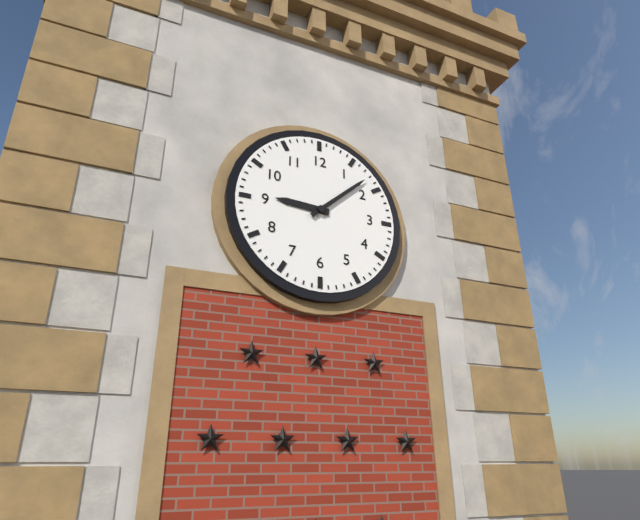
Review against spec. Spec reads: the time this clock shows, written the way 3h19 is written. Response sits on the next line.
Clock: 9h08
